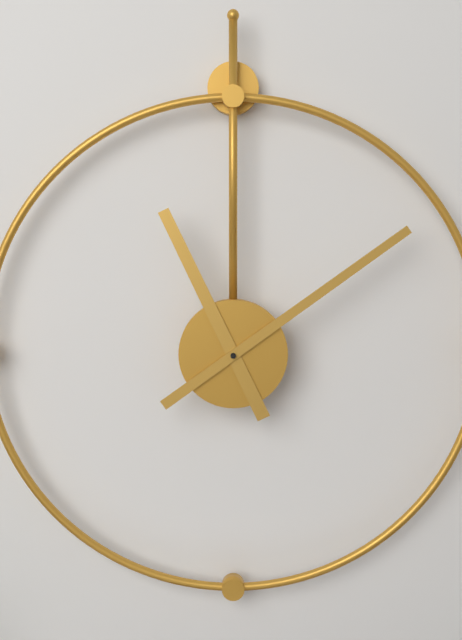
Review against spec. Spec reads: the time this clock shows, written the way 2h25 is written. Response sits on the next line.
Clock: 11h09
